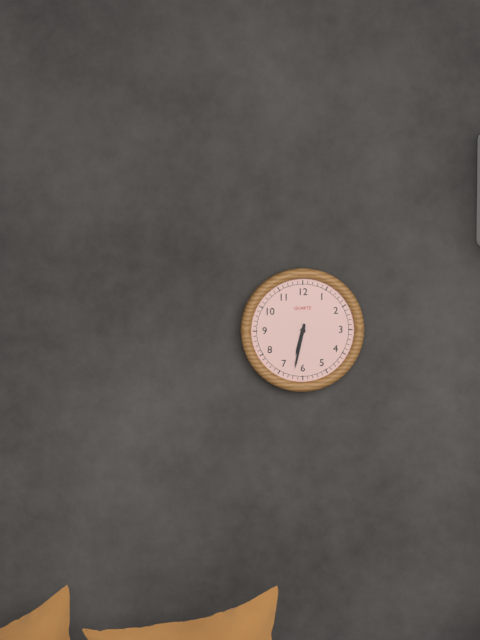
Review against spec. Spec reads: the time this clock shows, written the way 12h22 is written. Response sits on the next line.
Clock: 6h32
